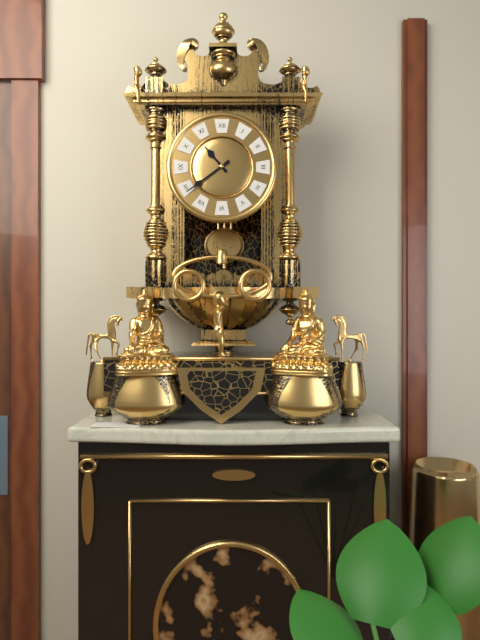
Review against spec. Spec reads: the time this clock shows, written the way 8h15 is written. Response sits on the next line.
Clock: 10h39
